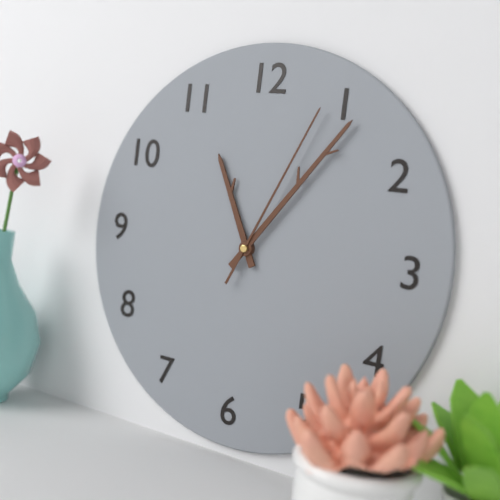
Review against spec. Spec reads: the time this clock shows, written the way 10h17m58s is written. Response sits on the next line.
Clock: 11h06m04s
